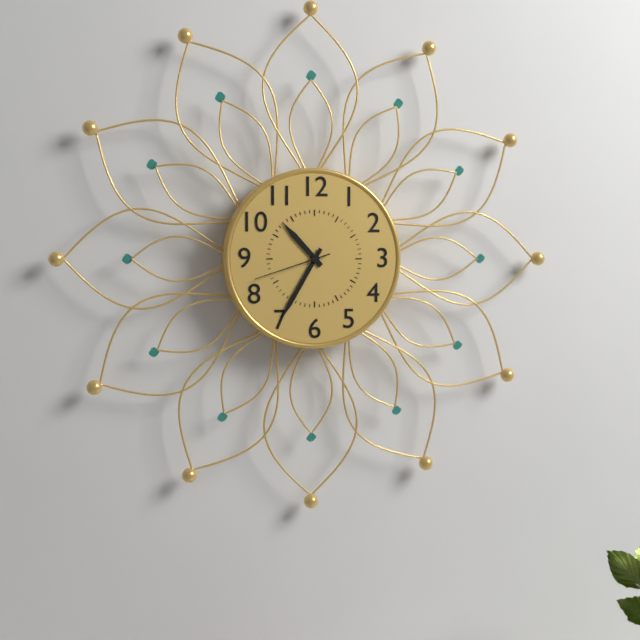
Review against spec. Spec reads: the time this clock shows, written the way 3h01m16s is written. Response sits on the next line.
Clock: 10h35m42s
